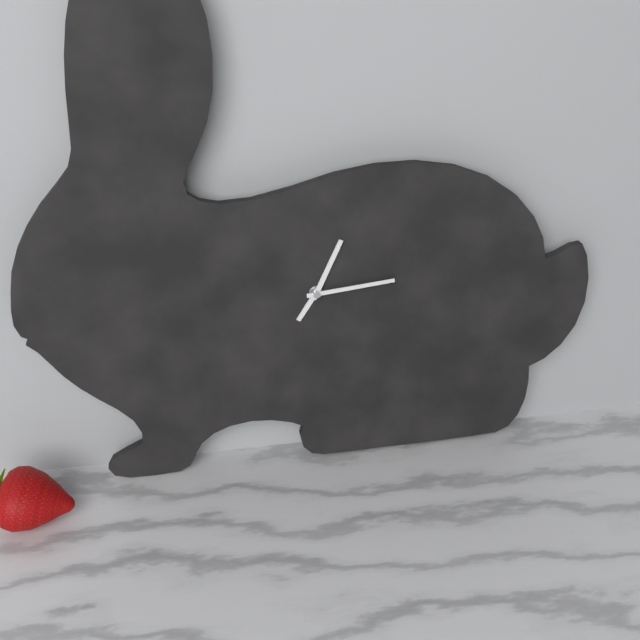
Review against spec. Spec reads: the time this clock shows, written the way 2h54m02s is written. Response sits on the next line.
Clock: 7h04m14s
